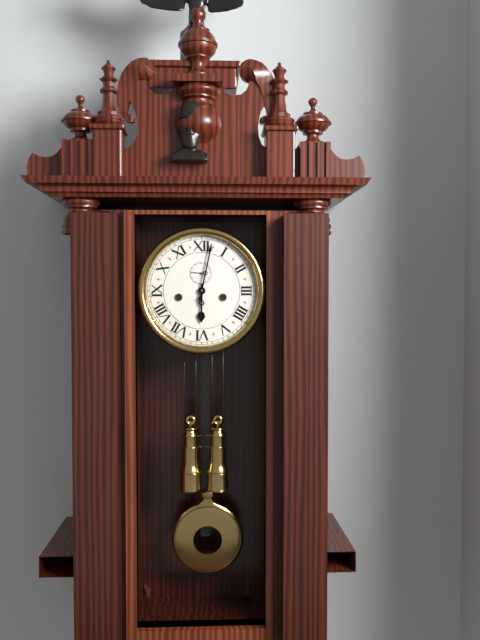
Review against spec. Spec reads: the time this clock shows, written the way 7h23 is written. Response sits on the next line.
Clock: 6h02
